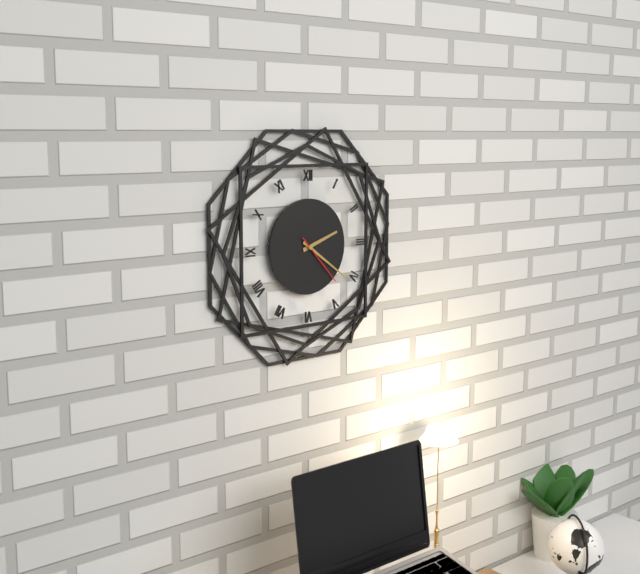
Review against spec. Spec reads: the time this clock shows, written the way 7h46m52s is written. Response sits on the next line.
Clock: 2h21m23s
